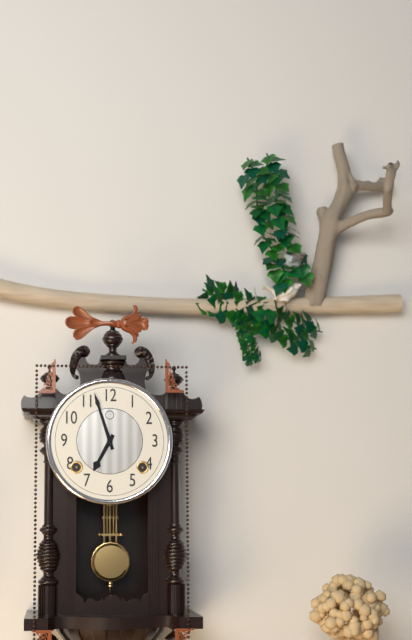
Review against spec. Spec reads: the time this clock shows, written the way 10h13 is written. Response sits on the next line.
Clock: 6h57
